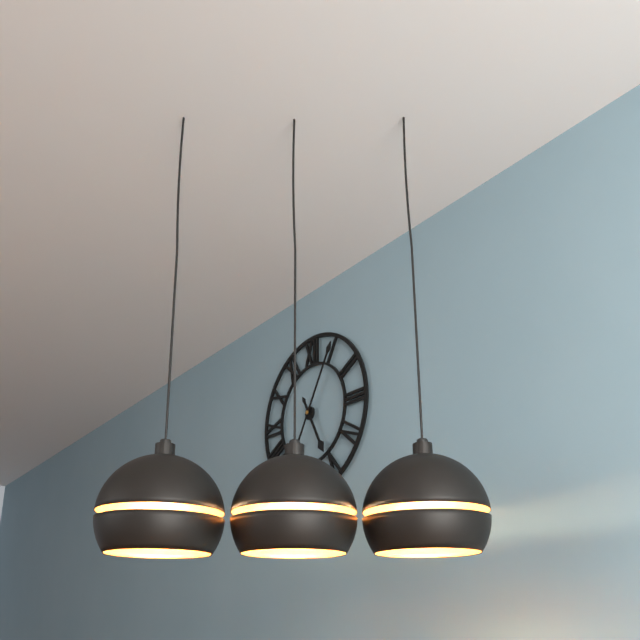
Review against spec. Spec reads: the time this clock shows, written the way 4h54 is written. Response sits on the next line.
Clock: 5h05
